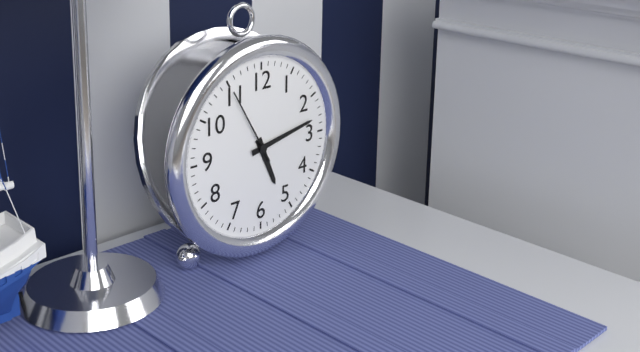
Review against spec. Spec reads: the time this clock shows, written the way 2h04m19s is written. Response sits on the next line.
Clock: 5h13m55s
